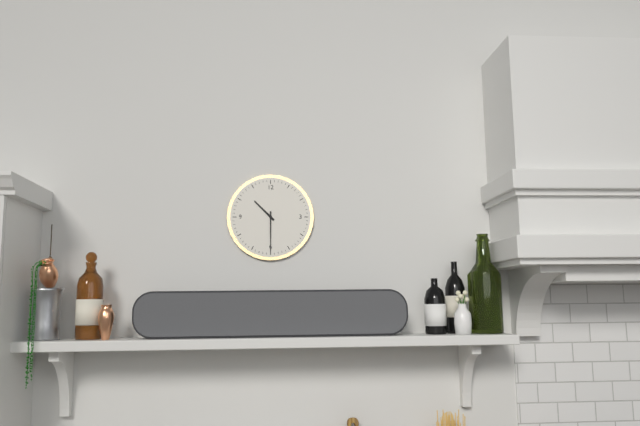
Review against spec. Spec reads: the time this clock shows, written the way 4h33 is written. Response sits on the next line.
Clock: 10h30
